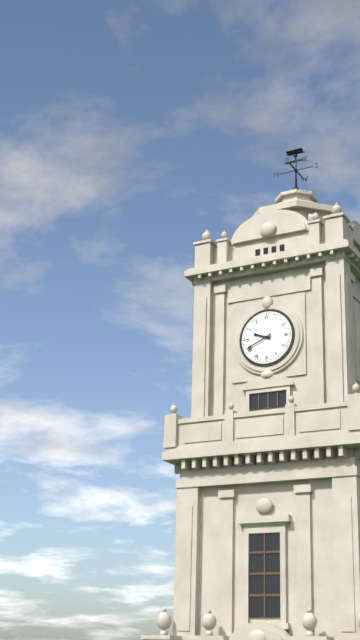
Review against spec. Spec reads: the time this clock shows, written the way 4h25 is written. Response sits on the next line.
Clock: 9h41
